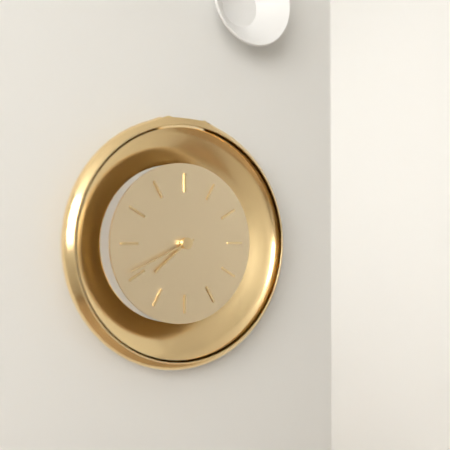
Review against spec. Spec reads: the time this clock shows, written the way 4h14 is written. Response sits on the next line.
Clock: 7h41
